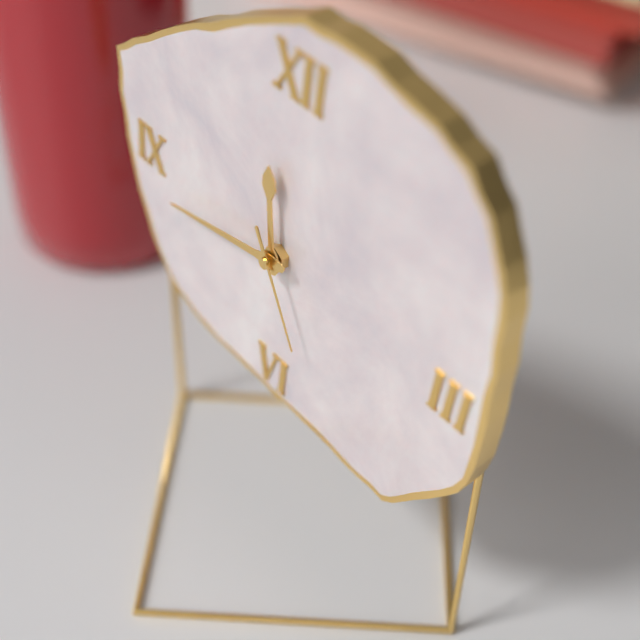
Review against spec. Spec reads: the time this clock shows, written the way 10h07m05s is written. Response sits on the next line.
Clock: 11h43m25s
